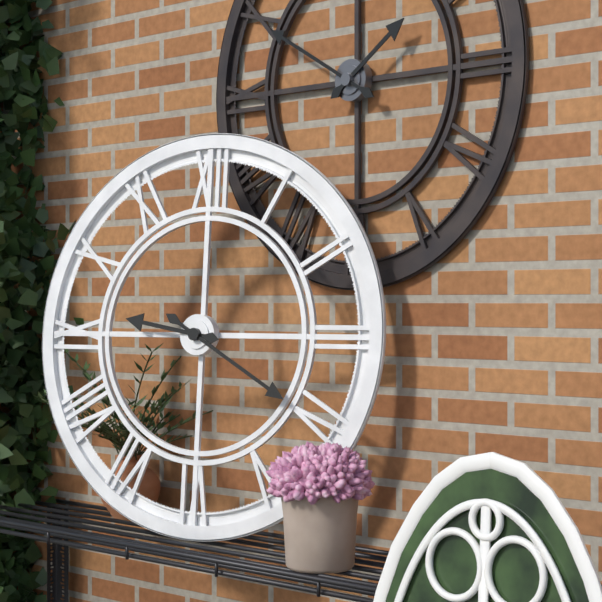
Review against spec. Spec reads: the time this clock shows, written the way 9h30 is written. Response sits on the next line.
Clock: 9h20
